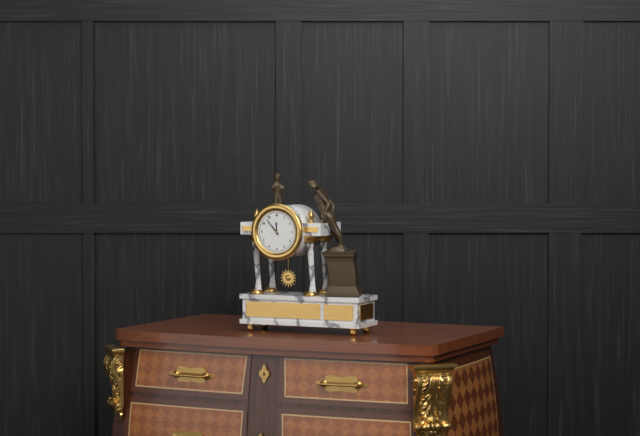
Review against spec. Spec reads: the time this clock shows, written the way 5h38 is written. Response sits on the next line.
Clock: 11h53
